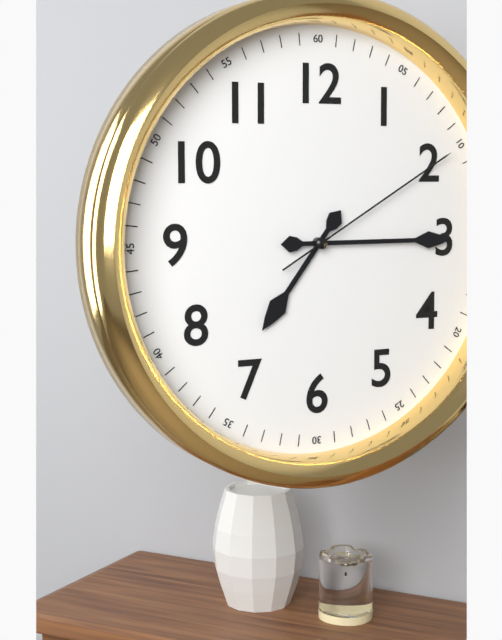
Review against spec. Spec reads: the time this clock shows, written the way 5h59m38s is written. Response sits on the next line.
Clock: 7h15m10s
